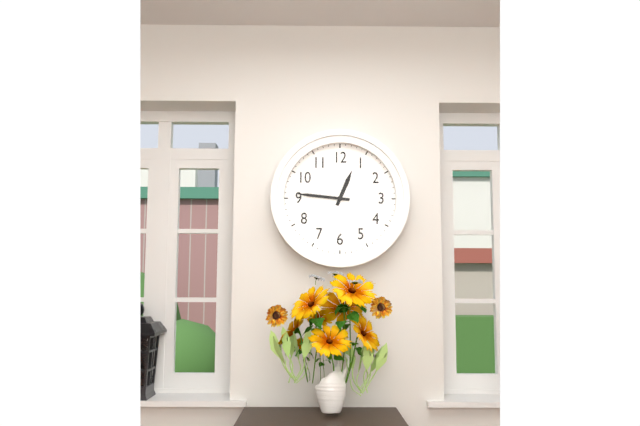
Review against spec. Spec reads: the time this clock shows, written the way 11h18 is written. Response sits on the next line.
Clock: 12h46
